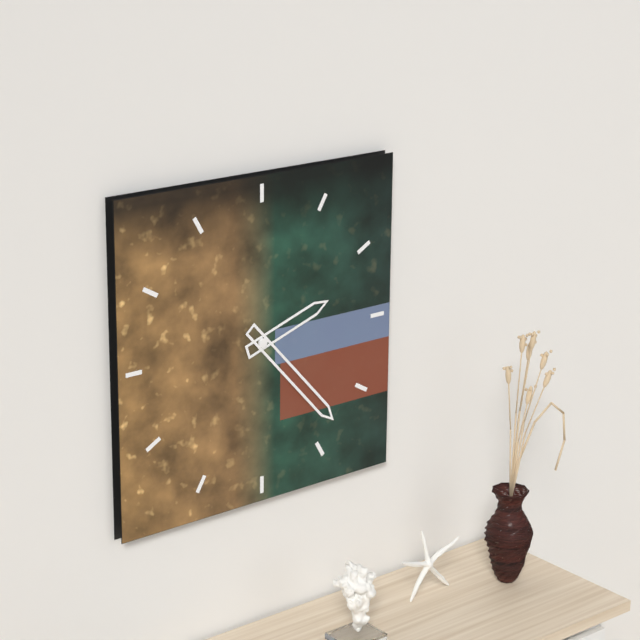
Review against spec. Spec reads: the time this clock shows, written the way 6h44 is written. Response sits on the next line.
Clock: 2h23
